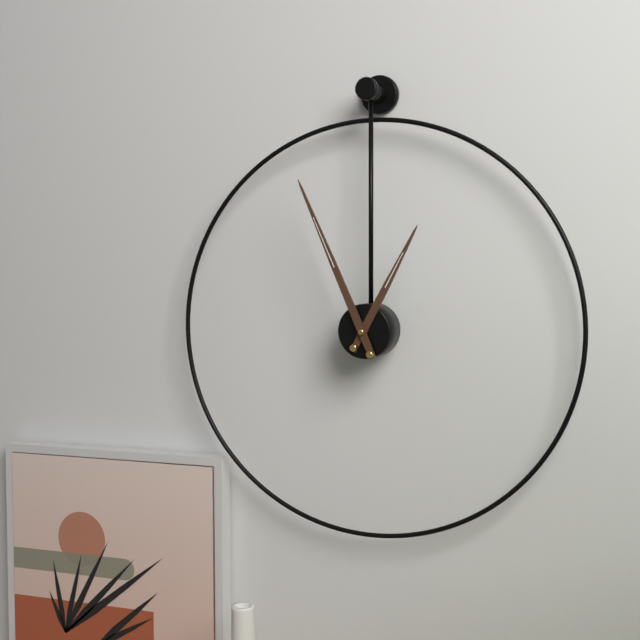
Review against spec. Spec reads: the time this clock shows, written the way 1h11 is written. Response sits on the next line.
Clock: 12h56
